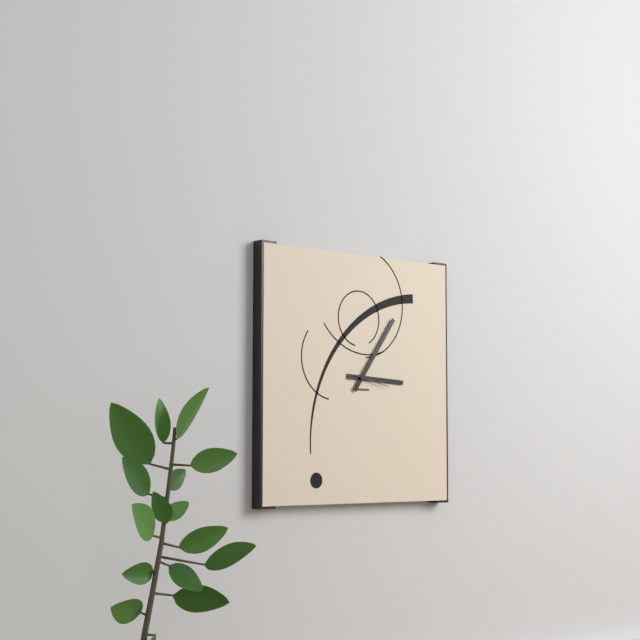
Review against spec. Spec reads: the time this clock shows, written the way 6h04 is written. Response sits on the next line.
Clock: 3h06
